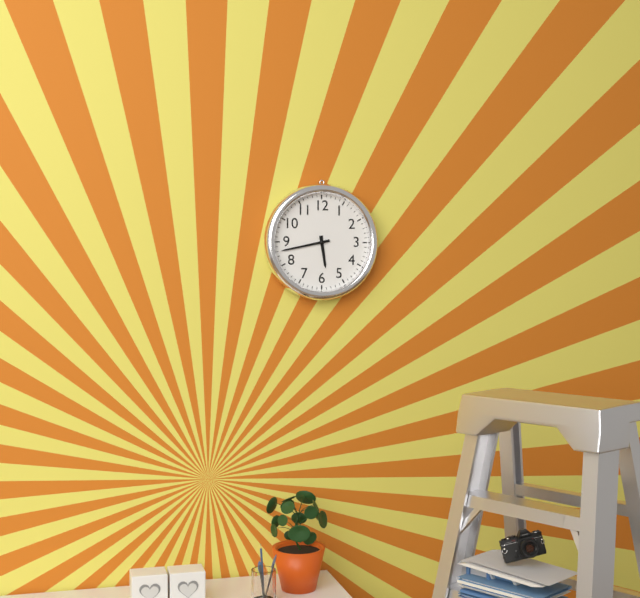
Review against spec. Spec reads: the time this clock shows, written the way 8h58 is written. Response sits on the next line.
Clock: 5h43
